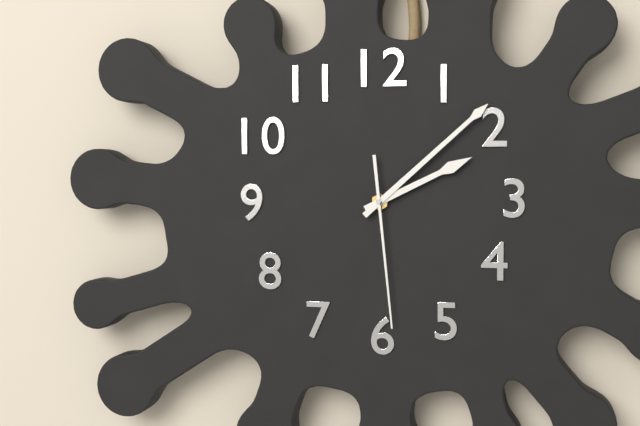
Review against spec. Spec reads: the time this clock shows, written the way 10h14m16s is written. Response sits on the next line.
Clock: 2h08m29s
